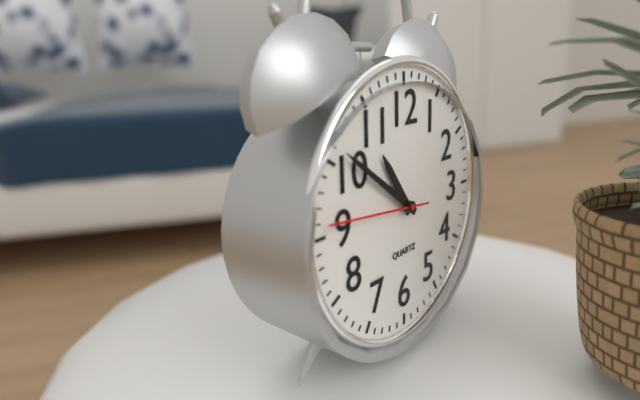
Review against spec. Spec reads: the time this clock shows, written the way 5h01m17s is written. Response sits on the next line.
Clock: 10h51m46s
